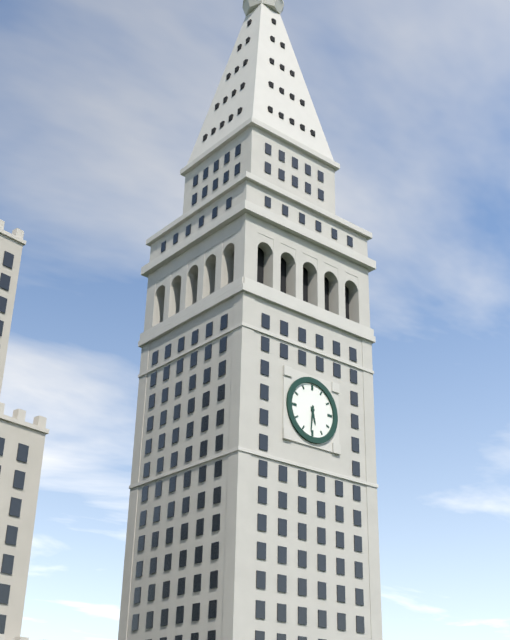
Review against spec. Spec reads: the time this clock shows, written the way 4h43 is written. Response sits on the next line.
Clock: 5h31
